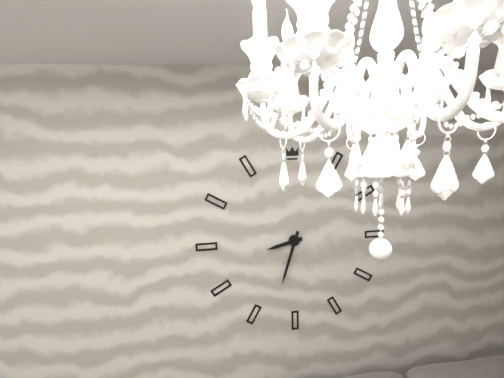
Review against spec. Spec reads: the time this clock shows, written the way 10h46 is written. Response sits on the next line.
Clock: 8h33
